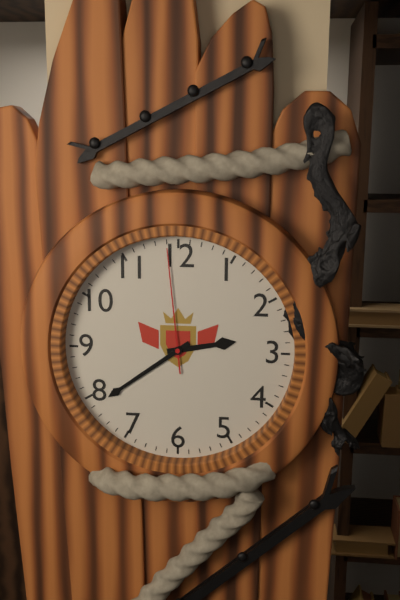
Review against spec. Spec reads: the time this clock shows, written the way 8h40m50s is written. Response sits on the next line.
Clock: 2h39m59s
